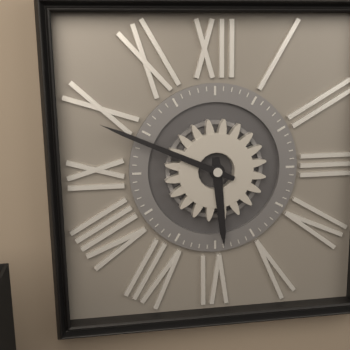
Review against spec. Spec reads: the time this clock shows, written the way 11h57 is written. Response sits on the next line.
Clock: 5h49
